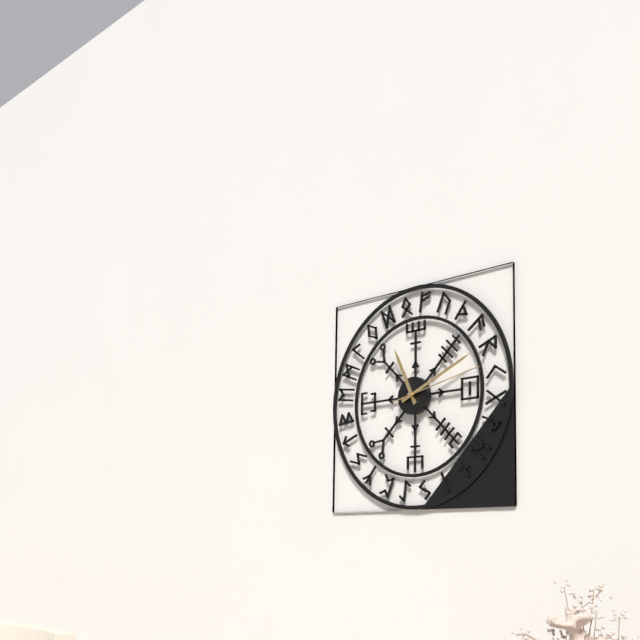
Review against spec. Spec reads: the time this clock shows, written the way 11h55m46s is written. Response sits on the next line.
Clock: 11h11m13s
